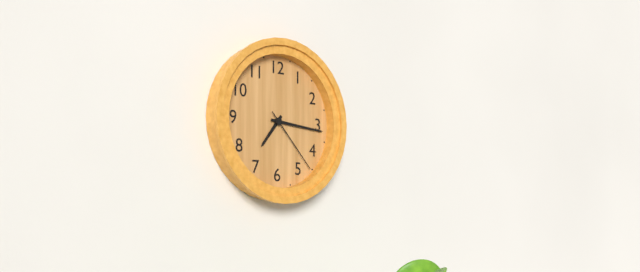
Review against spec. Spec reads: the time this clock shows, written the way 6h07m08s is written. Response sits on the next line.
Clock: 7h16m23s
